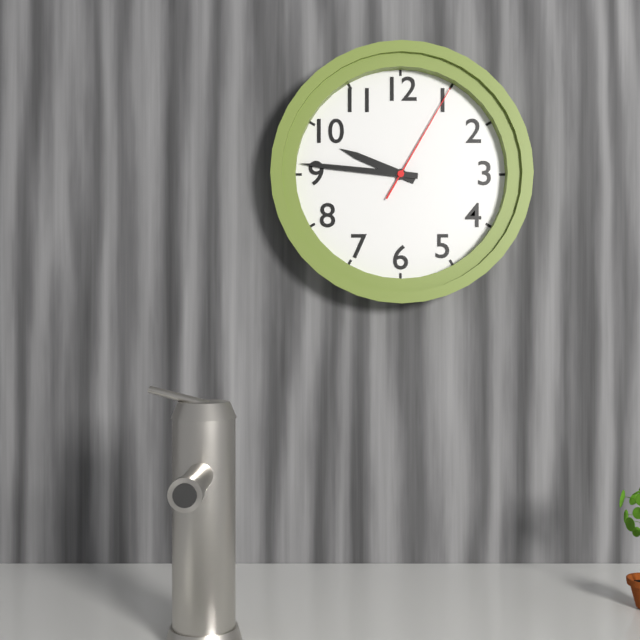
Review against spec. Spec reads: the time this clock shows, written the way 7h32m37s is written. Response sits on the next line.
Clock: 9h46m05s
